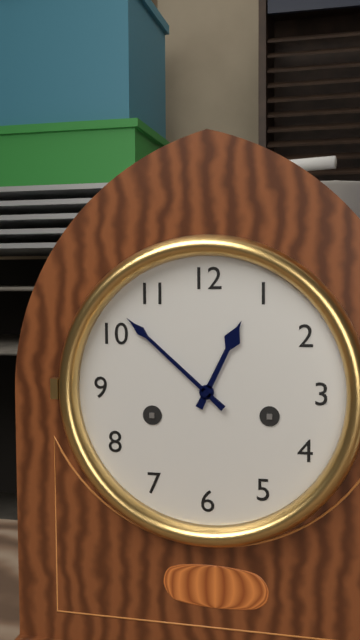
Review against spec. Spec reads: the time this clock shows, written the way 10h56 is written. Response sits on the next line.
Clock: 12h52
